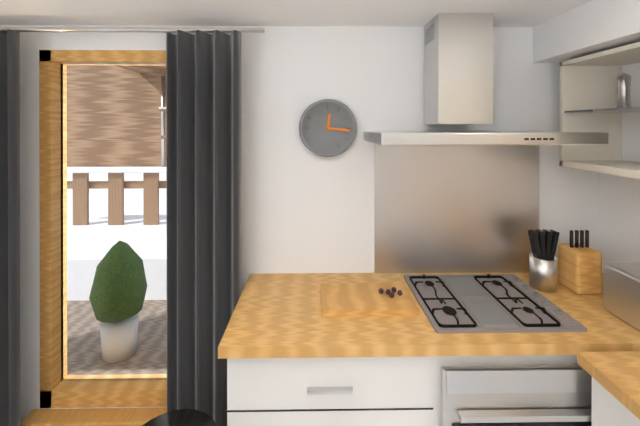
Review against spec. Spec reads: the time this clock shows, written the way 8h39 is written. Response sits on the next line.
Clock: 12h16
